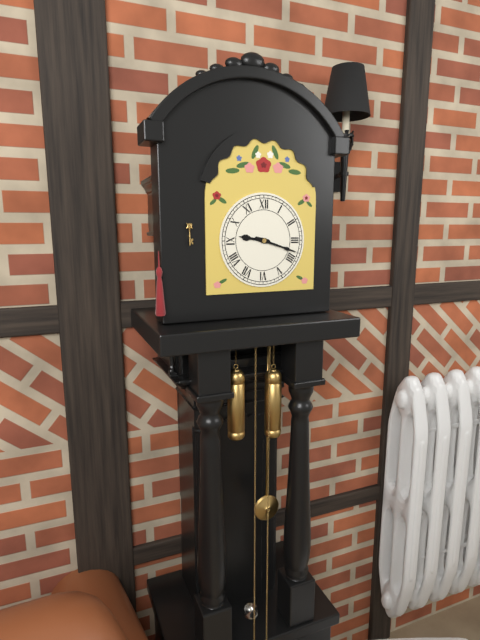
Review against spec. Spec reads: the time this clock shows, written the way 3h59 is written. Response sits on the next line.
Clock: 9h18
